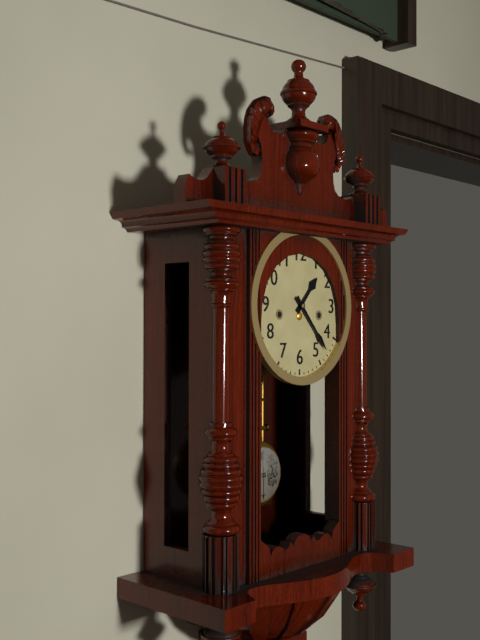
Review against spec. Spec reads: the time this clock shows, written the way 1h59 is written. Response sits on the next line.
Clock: 1h23
